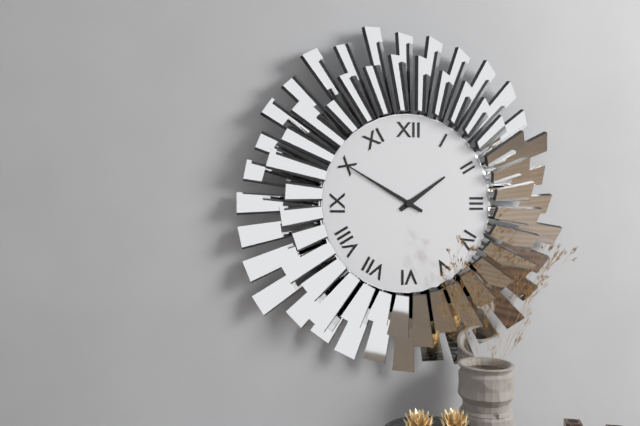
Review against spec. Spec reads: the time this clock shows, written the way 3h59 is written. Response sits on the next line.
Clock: 1h50
